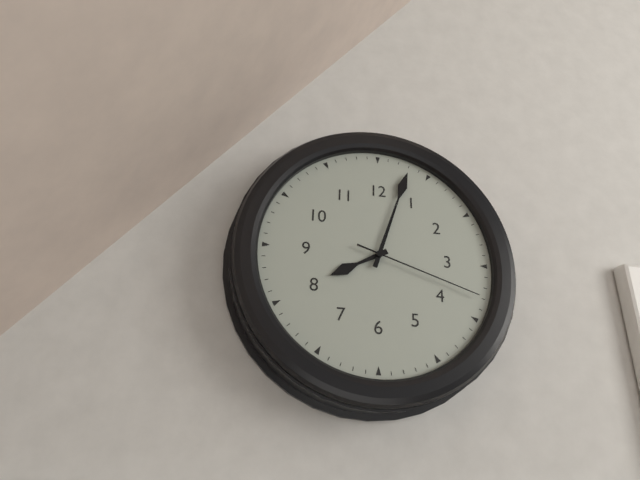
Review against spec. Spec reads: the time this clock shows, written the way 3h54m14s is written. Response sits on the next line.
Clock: 8h03m18s
